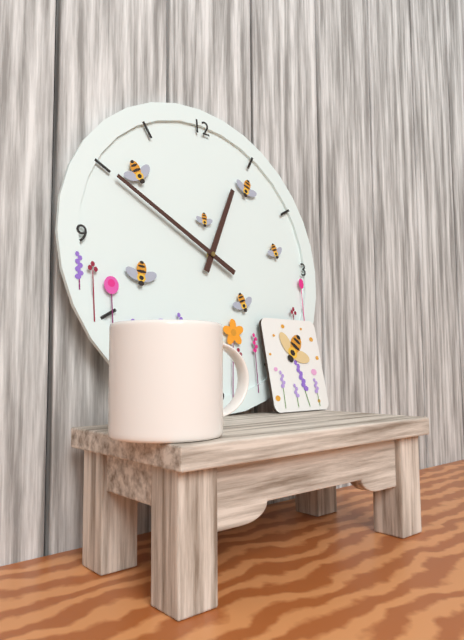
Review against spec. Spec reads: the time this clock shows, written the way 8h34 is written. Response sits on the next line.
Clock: 12h50
